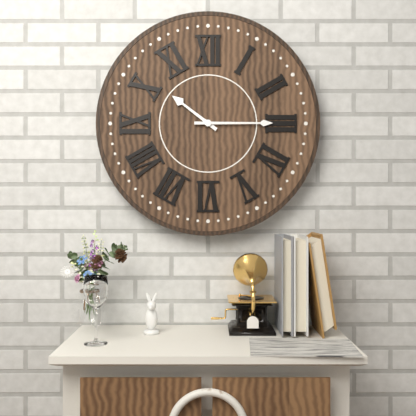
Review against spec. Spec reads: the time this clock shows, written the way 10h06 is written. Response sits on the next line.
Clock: 10h15
